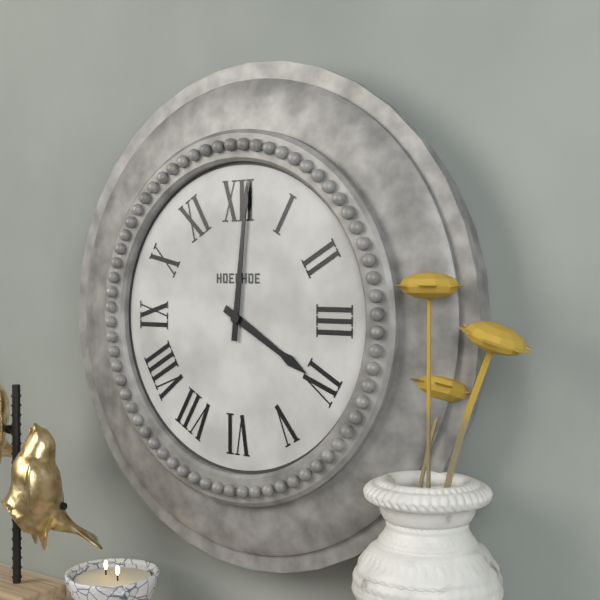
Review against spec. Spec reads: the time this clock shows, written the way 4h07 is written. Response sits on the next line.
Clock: 4h01
